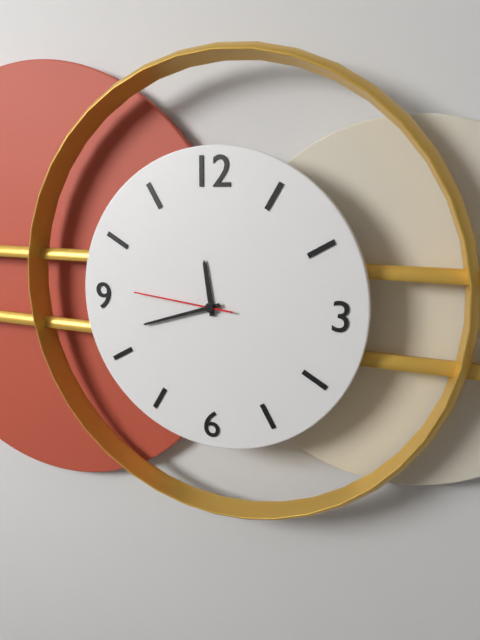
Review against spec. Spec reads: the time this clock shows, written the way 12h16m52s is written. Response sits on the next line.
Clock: 11h42m46s
